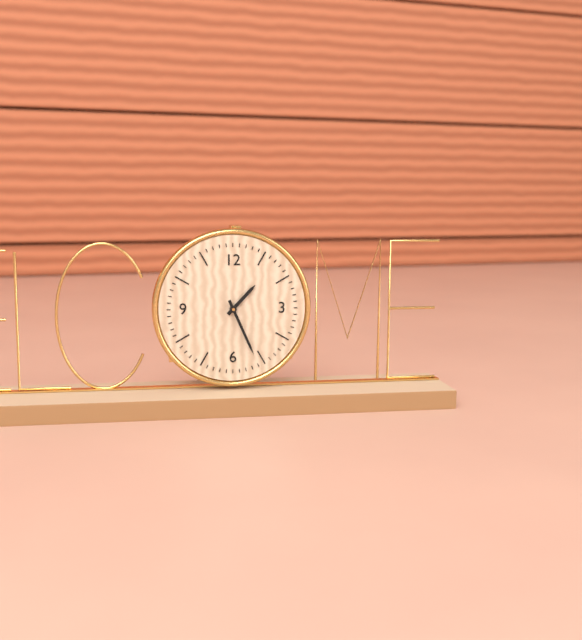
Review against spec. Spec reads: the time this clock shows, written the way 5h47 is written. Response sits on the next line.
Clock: 1h26
